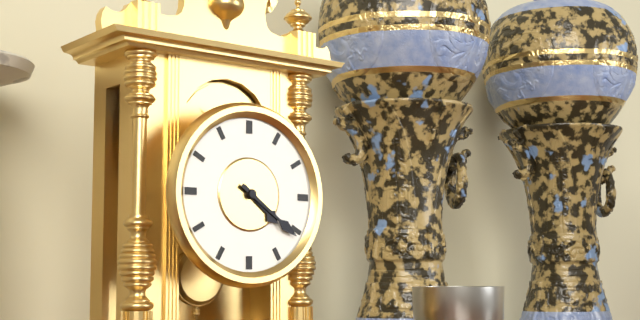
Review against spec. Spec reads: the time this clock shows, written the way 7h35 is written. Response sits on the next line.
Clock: 4h21
